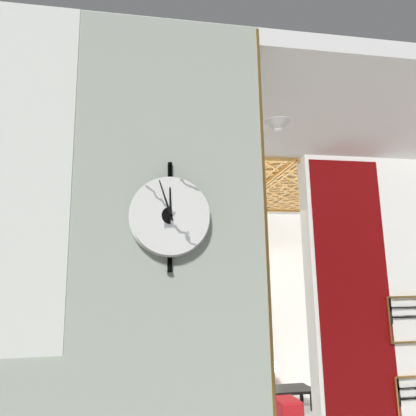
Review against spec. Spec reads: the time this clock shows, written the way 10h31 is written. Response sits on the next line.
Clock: 11h57
